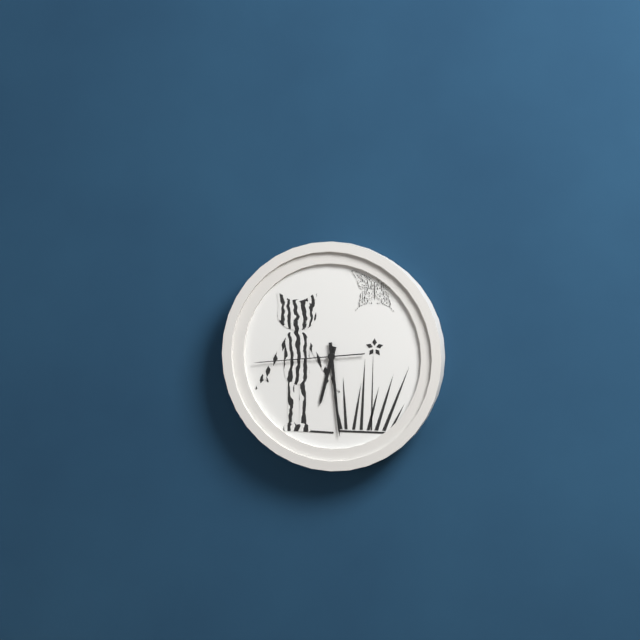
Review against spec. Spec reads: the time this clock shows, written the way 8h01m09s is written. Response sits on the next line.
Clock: 6h29m44s
